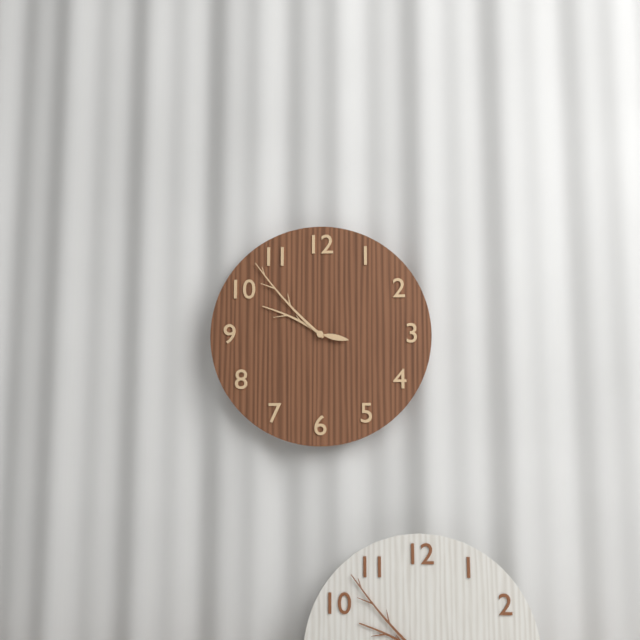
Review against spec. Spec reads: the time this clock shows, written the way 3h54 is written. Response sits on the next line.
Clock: 9h53
